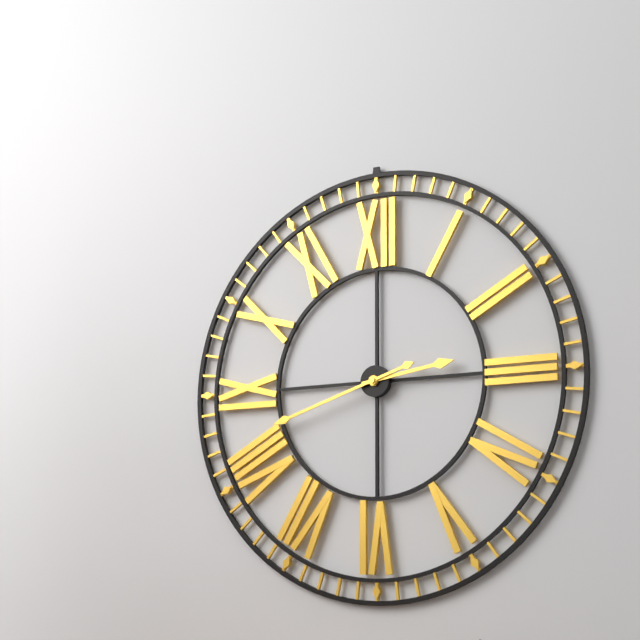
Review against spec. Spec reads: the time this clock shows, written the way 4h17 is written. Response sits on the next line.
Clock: 2h42
